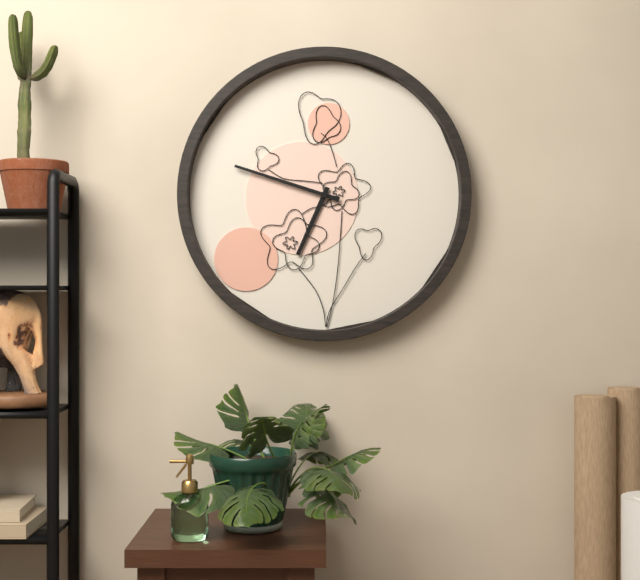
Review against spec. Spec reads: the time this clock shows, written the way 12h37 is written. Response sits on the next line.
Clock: 6h48
